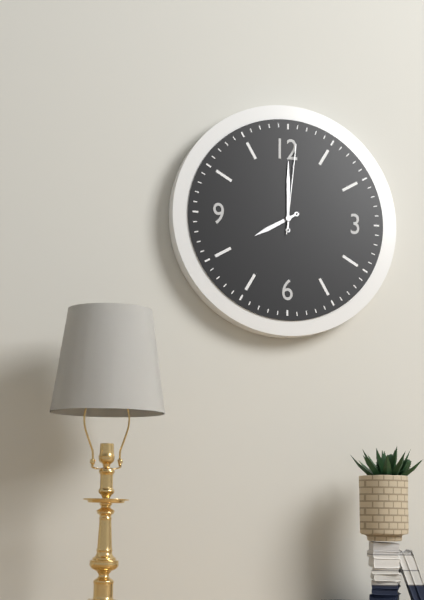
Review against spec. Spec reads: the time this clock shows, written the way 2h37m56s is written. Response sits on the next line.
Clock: 8h00m01s
